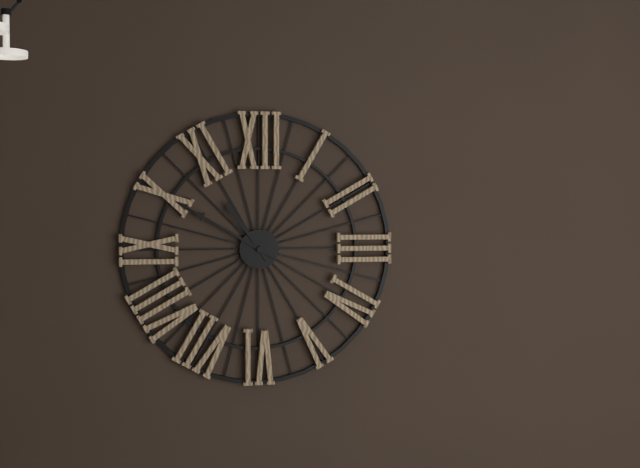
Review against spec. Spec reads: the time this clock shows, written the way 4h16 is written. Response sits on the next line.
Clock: 10h50
